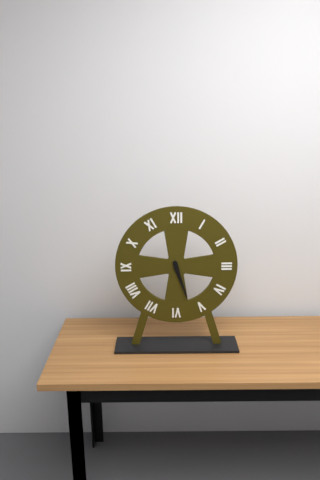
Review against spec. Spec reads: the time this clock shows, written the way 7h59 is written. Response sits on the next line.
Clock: 5h27
